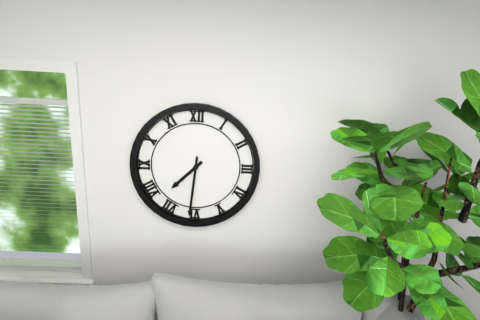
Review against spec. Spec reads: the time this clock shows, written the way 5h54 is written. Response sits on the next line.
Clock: 7h31
